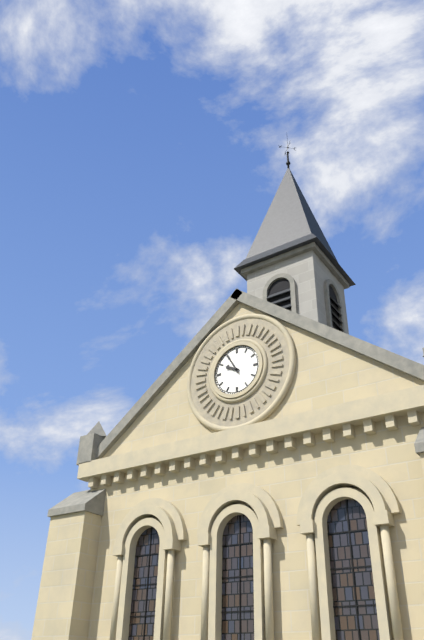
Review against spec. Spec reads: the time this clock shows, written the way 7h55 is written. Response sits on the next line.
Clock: 9h55
